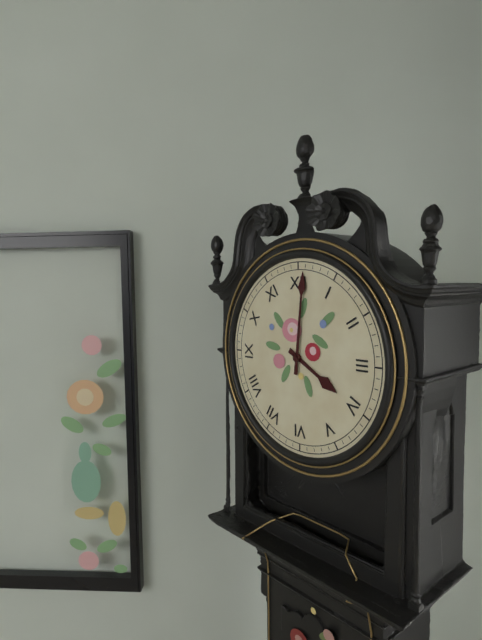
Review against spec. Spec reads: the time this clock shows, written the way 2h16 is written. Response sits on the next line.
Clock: 4h01
